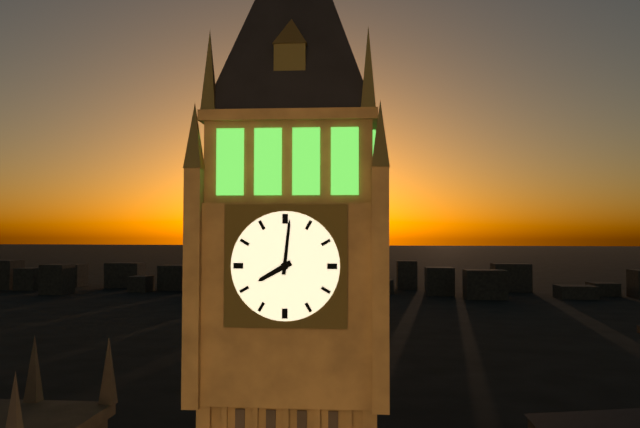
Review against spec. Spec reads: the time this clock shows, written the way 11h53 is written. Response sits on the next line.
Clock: 8h01
